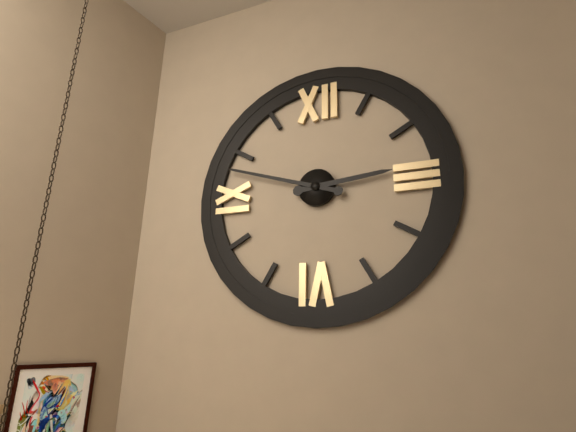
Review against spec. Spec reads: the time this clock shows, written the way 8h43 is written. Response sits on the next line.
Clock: 2h48
